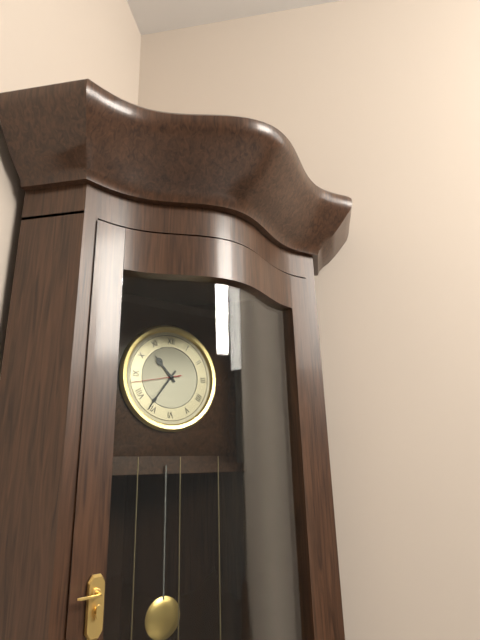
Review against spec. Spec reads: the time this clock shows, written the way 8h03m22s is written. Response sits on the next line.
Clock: 10h36m43s
